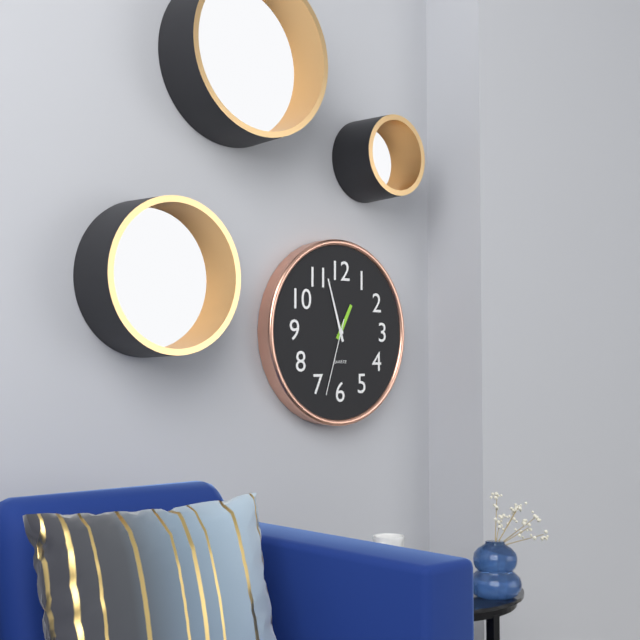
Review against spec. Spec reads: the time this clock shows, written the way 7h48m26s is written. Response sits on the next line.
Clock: 12h57m33s
